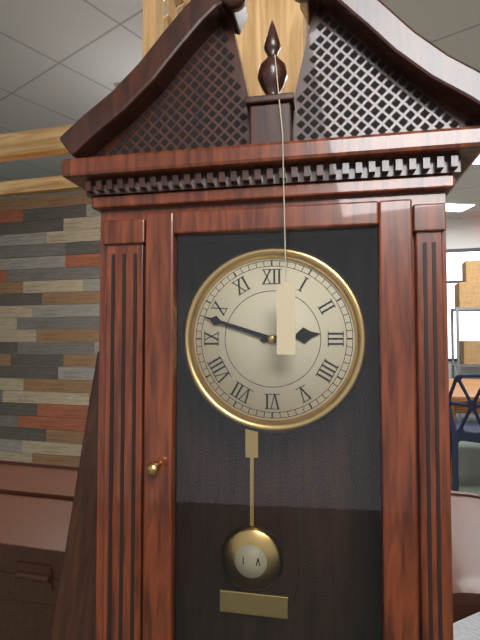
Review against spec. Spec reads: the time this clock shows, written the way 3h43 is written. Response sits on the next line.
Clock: 2h48
